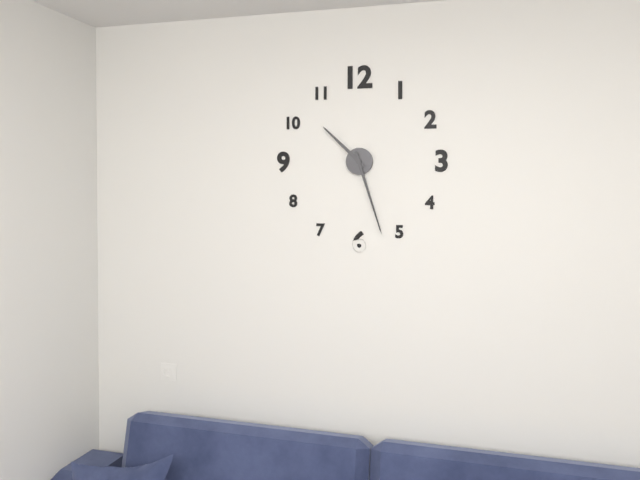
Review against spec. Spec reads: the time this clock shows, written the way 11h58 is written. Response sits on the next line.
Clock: 10h27
